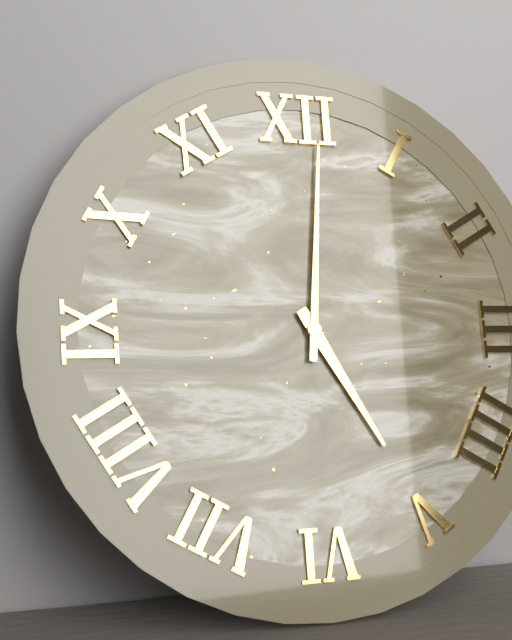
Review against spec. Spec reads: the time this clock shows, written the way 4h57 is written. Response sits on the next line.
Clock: 5h01
